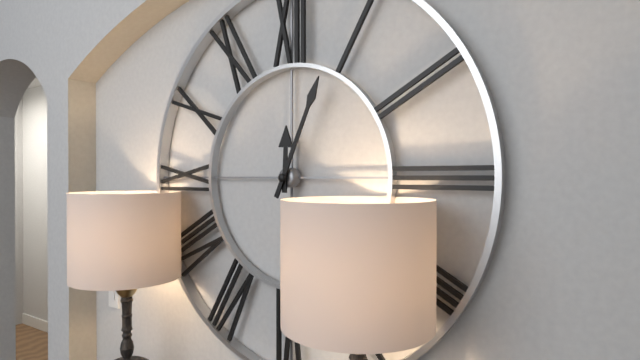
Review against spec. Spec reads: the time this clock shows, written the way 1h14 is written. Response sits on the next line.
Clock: 12h04
